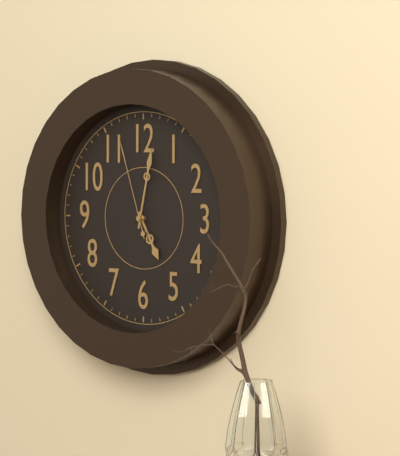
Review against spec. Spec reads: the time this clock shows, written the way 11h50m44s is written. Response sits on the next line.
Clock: 5h02m57s
